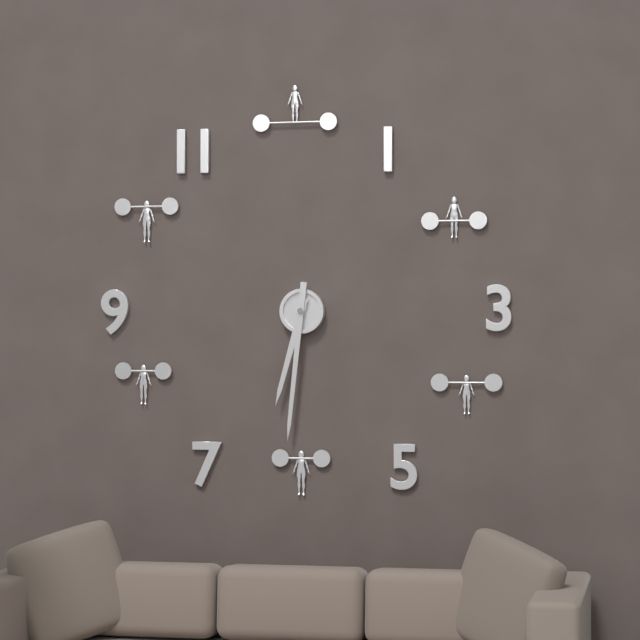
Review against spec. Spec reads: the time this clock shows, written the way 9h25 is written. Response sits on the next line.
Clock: 6h31
